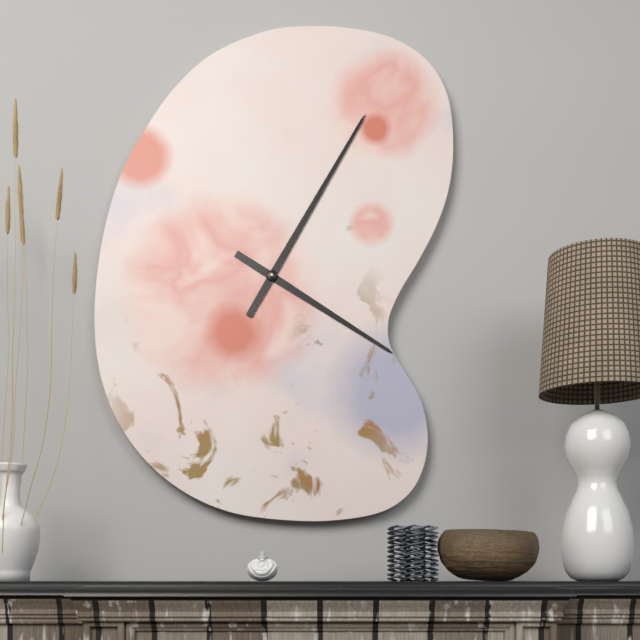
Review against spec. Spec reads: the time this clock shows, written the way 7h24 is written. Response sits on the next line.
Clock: 4h05
